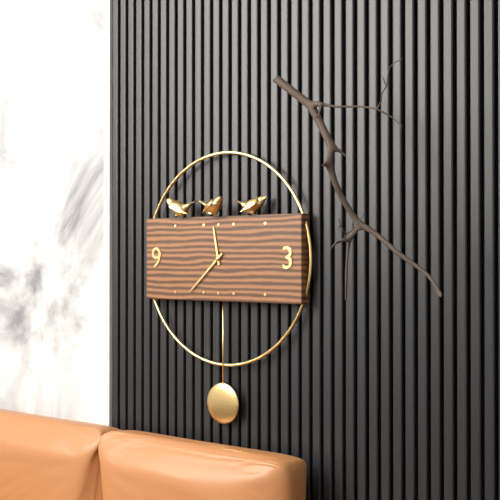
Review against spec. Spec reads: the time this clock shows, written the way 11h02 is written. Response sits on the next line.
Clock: 11h38
